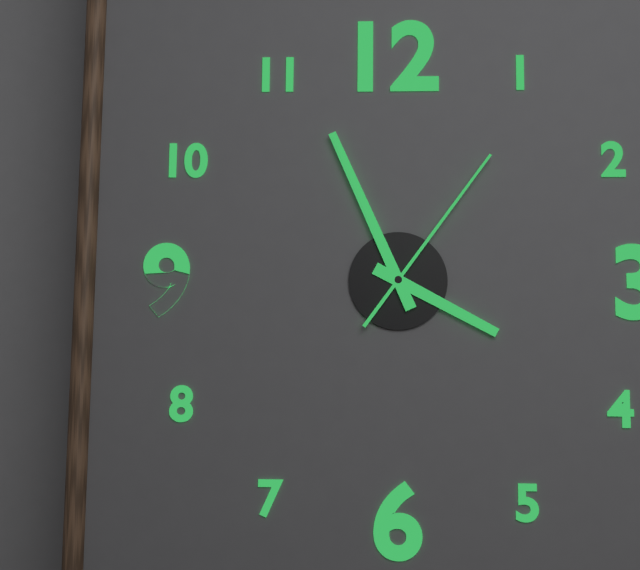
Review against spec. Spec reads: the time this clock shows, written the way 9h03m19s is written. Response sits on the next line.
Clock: 3h56m06s
